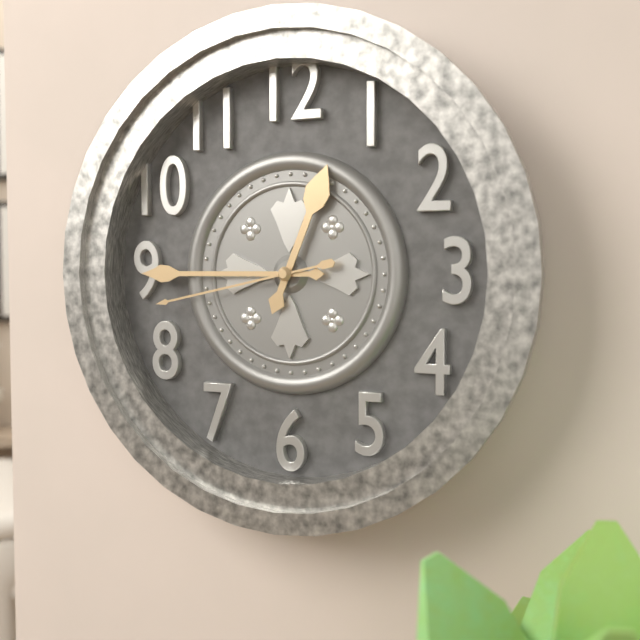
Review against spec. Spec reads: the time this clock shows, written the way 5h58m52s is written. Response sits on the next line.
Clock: 12h45m43s
